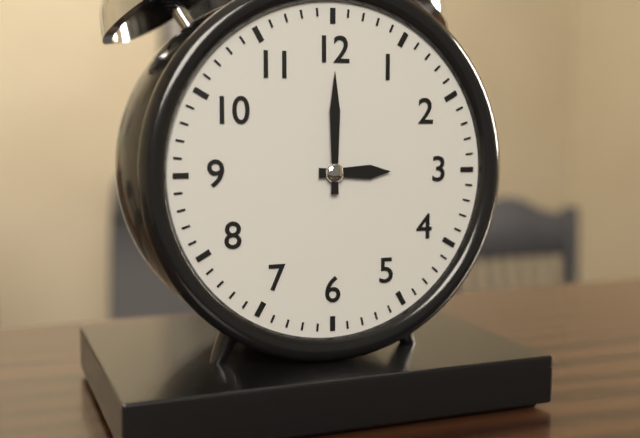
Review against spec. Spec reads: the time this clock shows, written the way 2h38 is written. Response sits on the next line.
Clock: 3h00
